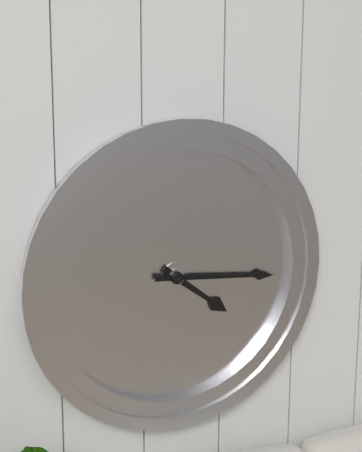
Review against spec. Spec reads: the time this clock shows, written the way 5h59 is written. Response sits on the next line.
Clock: 4h16
